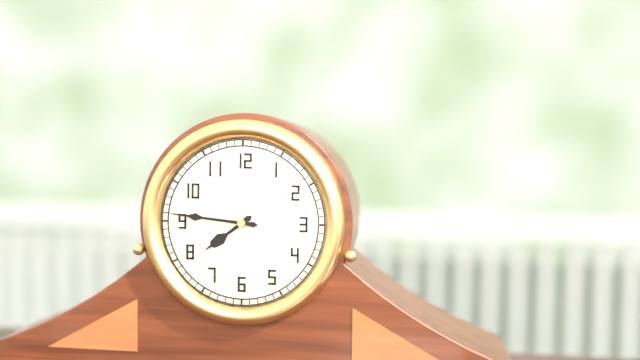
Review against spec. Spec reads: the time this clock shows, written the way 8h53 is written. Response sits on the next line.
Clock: 7h46
